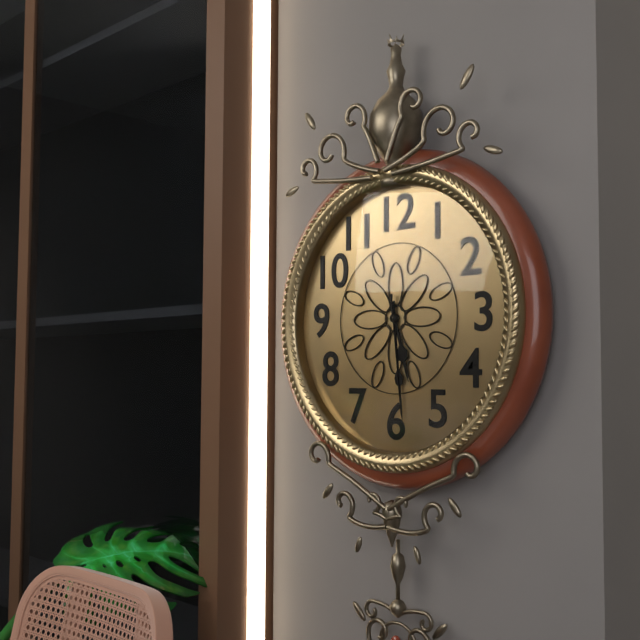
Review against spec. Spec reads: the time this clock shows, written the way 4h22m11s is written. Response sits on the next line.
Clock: 5h29m29s
